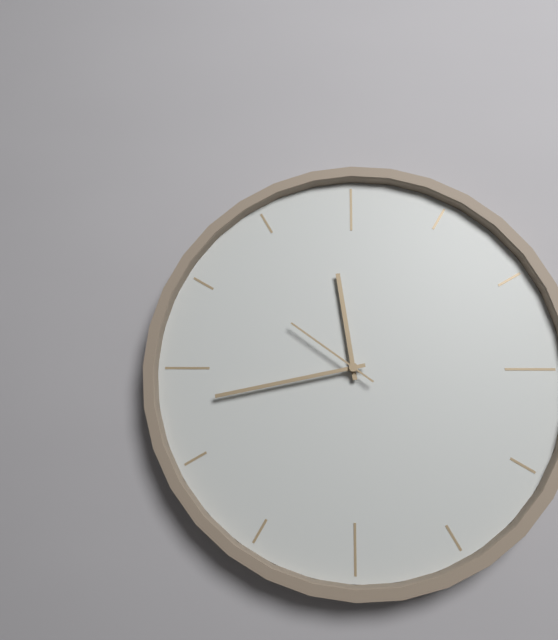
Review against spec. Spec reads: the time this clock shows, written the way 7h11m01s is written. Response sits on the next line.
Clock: 11h43m51s
